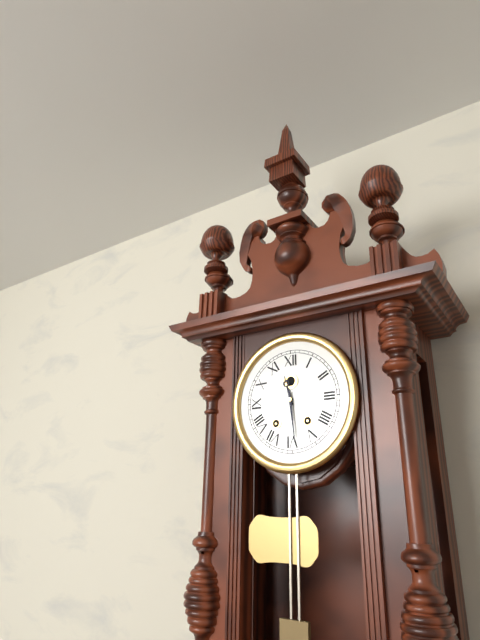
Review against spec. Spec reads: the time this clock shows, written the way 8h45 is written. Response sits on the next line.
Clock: 11h29
